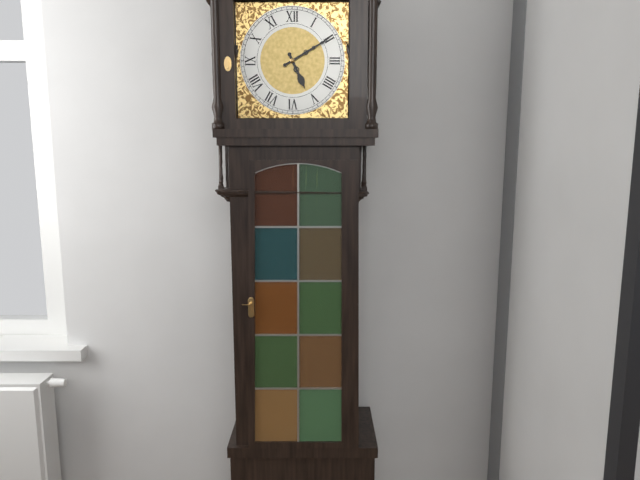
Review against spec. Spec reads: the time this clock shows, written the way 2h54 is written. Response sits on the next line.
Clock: 5h10
